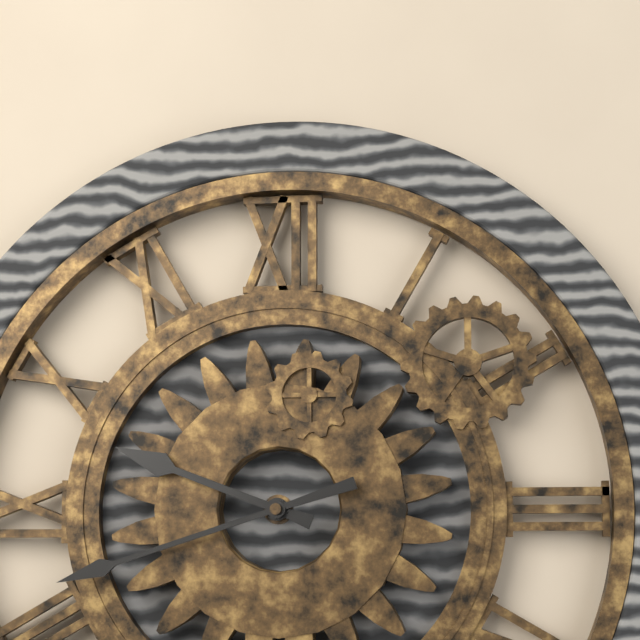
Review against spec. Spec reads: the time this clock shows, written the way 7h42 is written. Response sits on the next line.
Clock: 9h42
